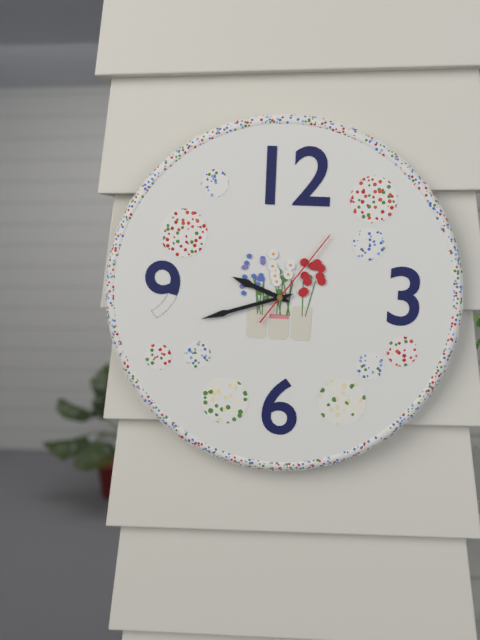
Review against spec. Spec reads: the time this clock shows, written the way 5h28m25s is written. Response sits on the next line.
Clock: 9h42m06s
